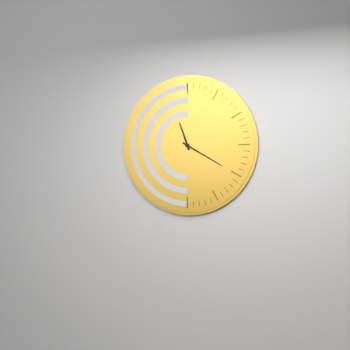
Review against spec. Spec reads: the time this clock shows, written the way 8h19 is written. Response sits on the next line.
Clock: 11h20
